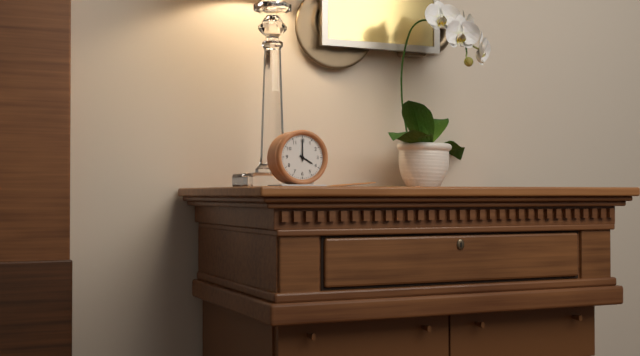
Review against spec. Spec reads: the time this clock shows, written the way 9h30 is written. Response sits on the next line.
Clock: 4h00
